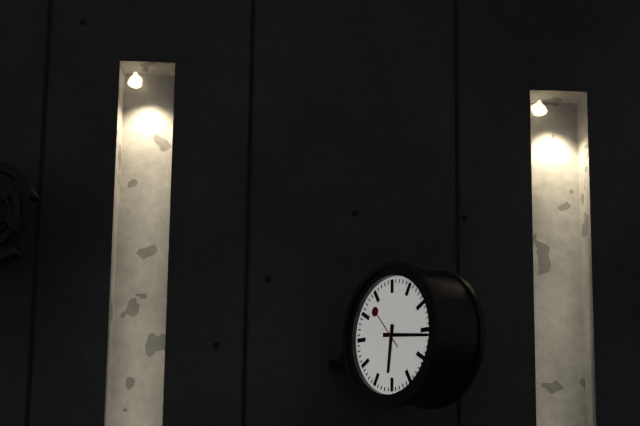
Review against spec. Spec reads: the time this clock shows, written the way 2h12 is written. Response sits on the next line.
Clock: 6h16
